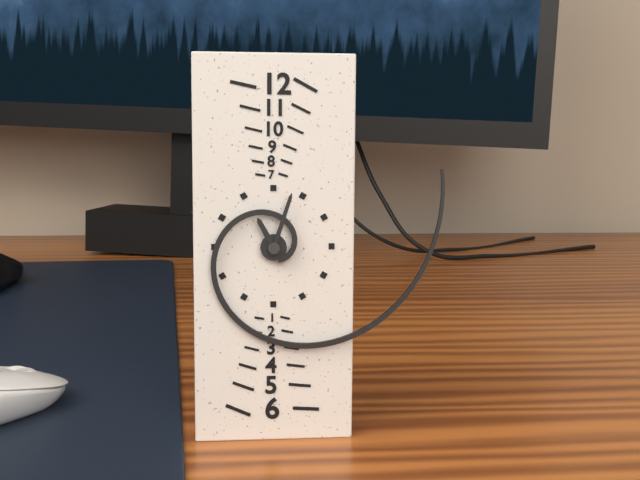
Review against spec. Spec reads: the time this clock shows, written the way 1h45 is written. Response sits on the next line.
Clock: 11h03
